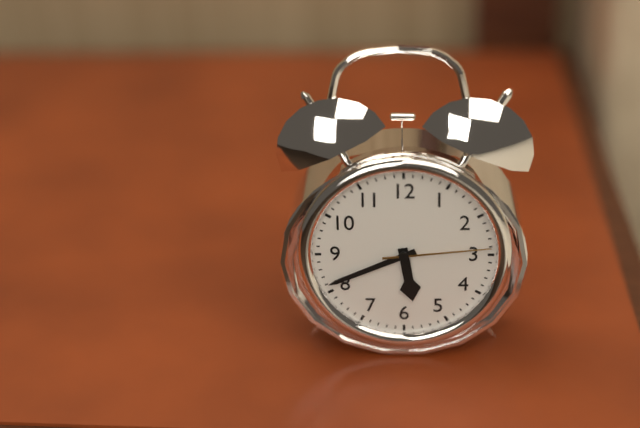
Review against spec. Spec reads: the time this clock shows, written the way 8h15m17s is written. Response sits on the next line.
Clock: 5h41m14s
